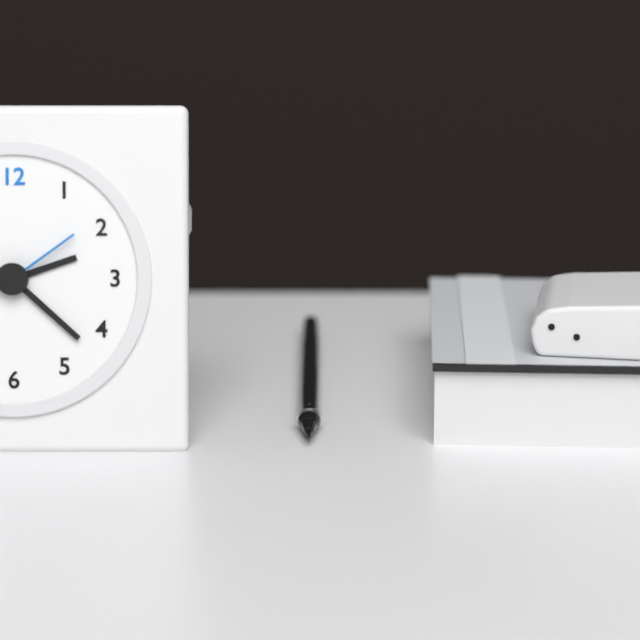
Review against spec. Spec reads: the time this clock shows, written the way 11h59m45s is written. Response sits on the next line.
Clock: 2h22m09s
